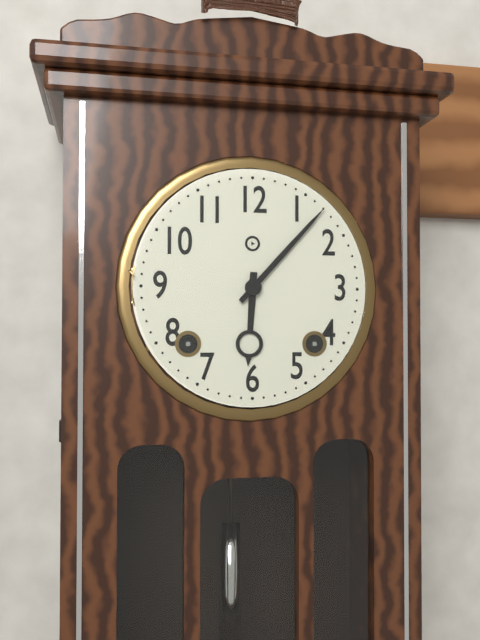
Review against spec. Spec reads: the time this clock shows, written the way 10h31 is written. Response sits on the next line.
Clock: 6h07
